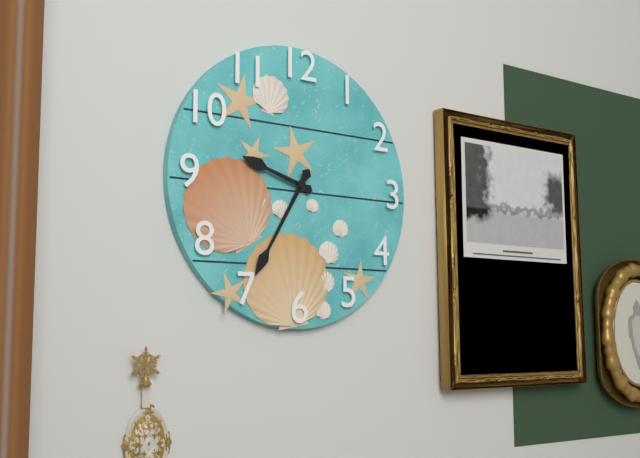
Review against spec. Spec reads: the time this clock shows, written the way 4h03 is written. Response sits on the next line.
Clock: 9h35
